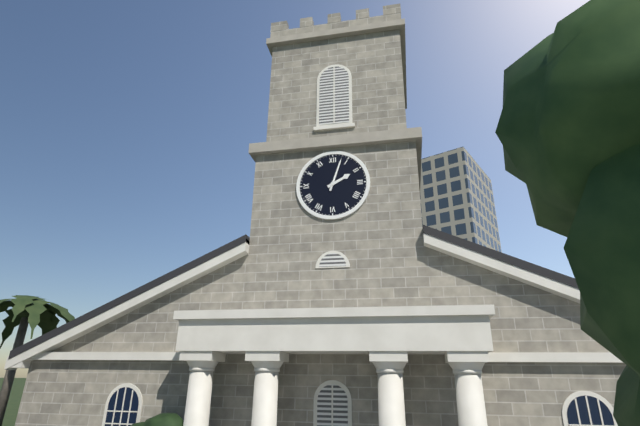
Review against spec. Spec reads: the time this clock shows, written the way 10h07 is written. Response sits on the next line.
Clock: 2h03
